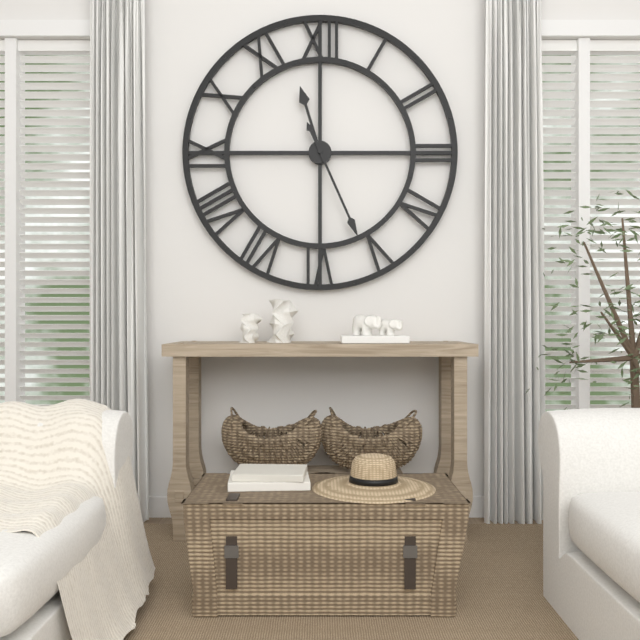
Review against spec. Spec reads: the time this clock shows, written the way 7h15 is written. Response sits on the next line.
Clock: 11h26
